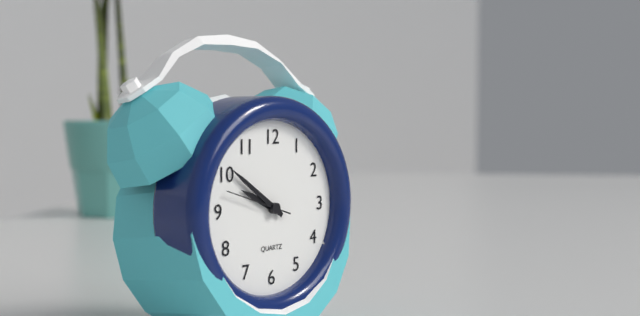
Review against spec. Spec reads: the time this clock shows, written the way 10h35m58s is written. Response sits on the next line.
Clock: 9h51m48s
